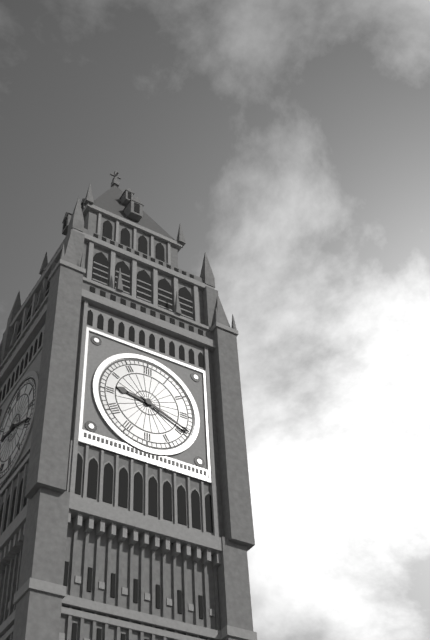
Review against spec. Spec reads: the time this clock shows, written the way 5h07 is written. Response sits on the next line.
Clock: 9h19
